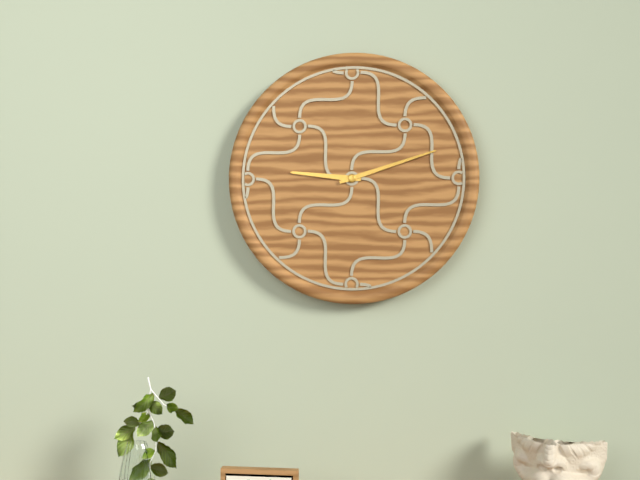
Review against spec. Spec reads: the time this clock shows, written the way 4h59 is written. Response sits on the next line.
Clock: 9h12
